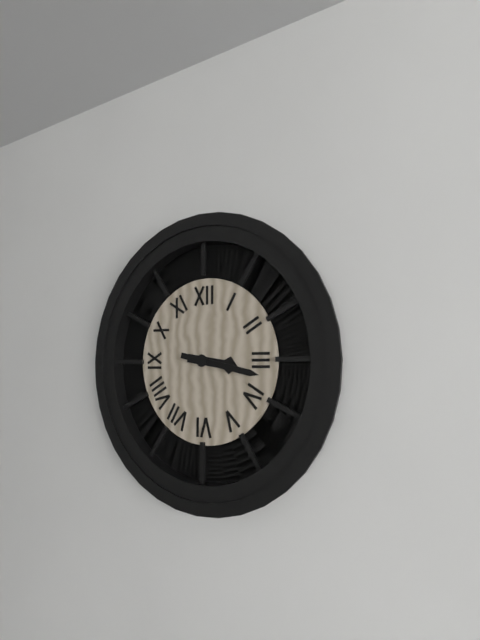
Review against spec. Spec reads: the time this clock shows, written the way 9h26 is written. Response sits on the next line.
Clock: 3h17
